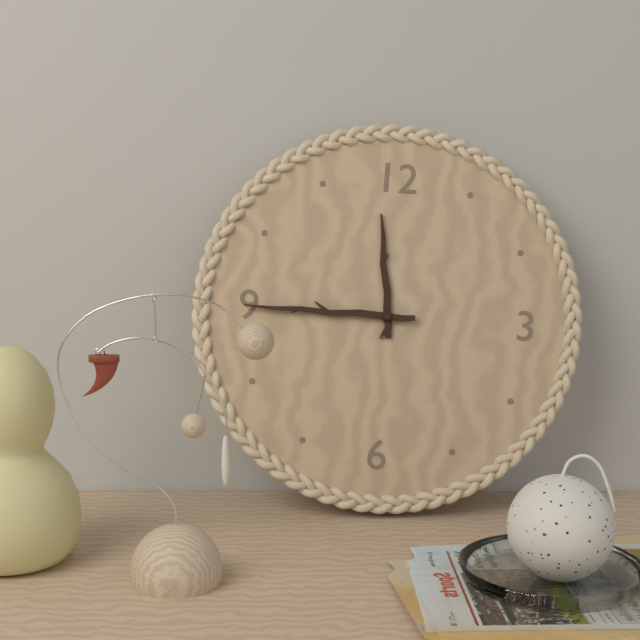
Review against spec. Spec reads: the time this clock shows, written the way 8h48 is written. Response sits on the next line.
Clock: 11h45
